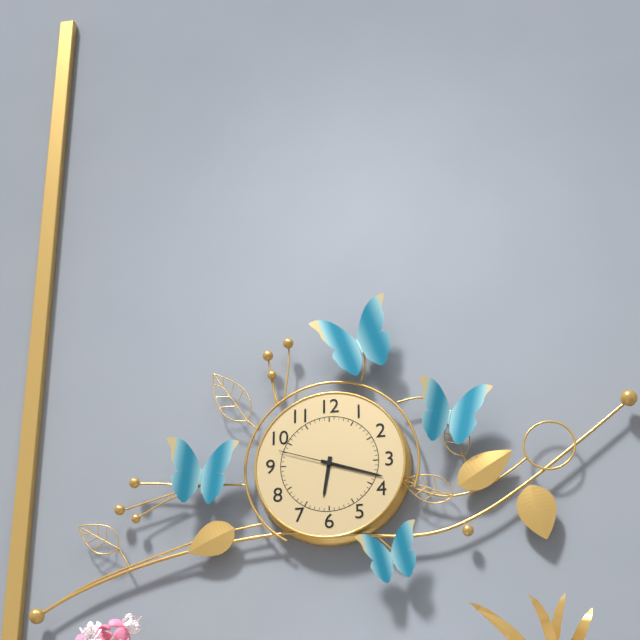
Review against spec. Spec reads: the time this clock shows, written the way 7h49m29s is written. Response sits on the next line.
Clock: 6h18m48s
